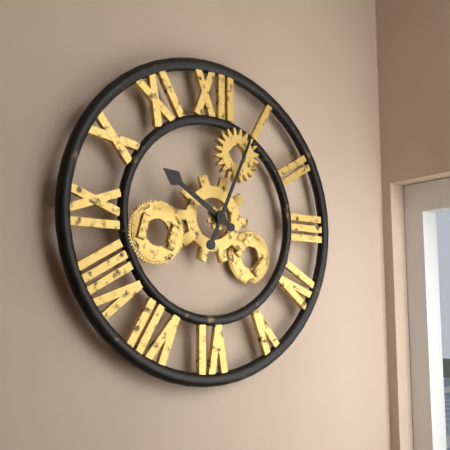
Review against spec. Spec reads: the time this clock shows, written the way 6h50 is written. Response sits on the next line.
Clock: 10h04
